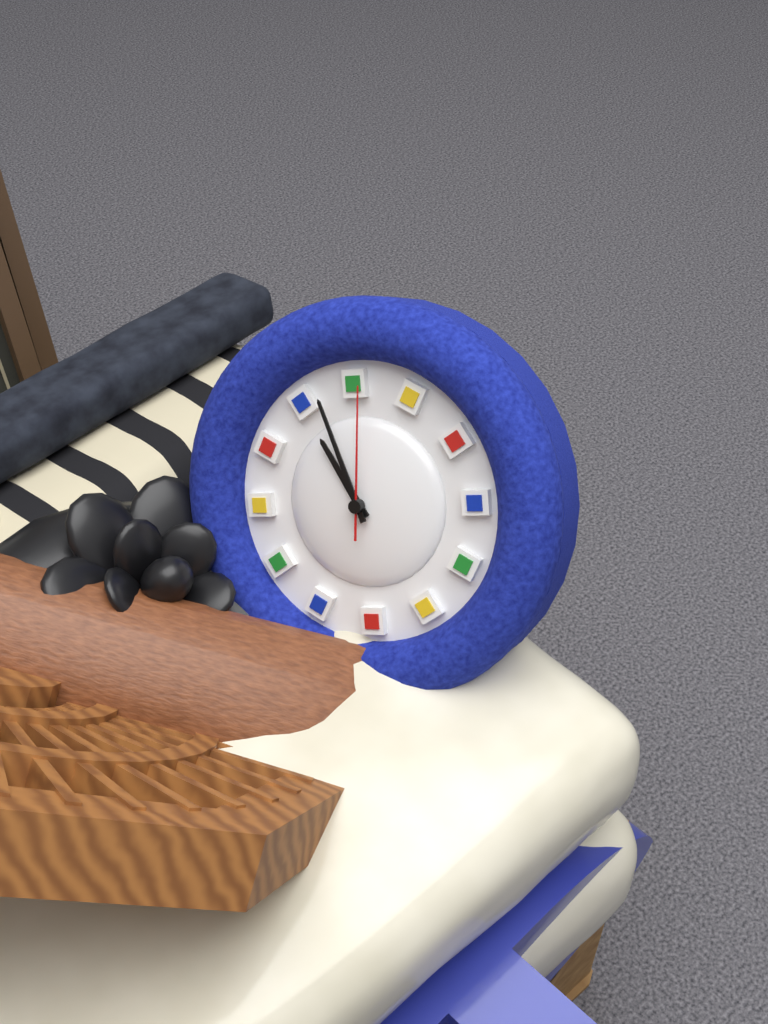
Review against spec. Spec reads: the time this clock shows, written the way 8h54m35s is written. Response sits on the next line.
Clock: 12h02m06s
